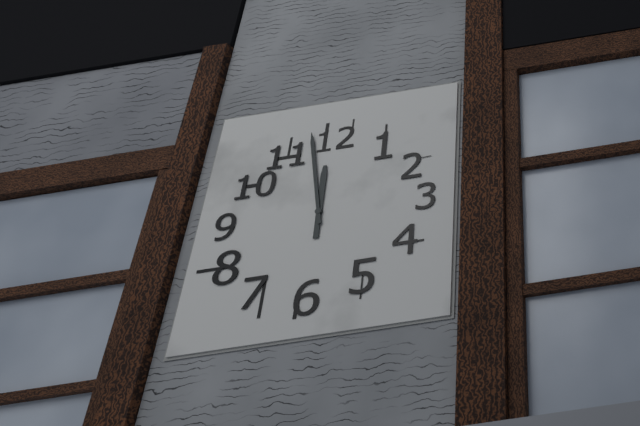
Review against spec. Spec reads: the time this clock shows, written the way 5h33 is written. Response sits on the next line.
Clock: 11h58
